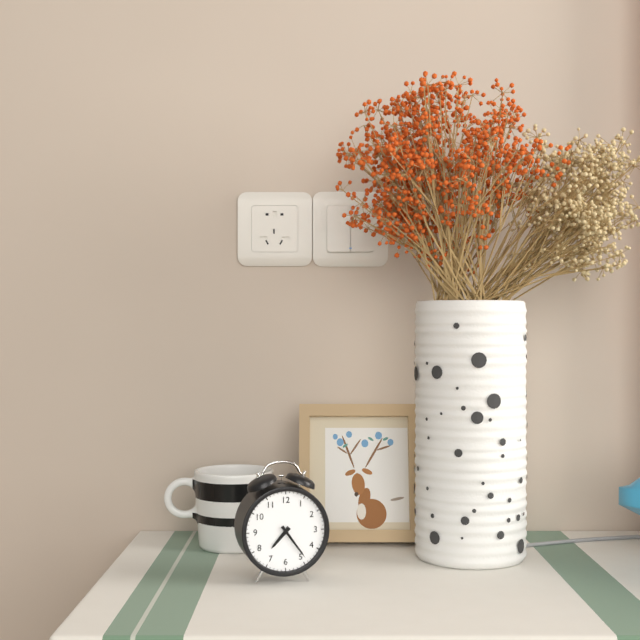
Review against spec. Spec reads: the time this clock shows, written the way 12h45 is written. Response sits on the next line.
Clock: 7h24
